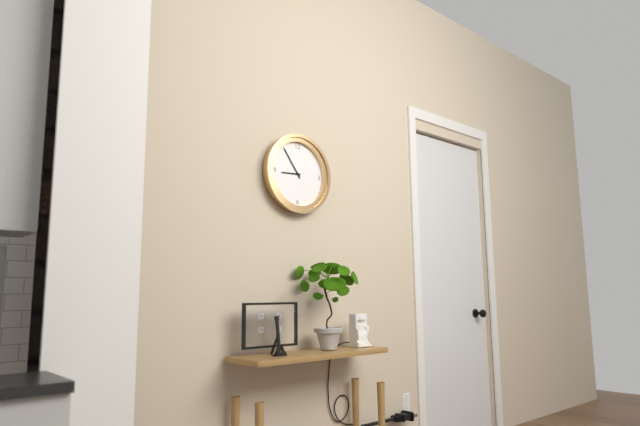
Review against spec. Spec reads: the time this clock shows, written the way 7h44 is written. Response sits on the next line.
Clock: 8h54
